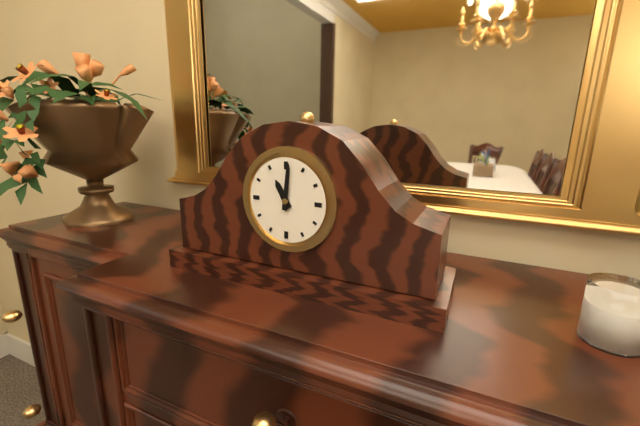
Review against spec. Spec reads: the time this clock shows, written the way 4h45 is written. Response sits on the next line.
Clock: 11h01
